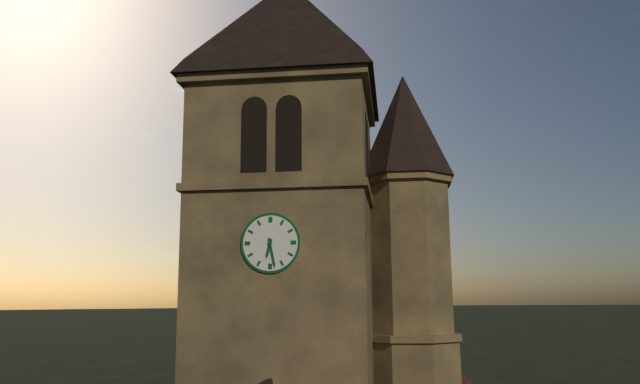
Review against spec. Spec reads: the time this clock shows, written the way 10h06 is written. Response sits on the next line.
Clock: 6h28
